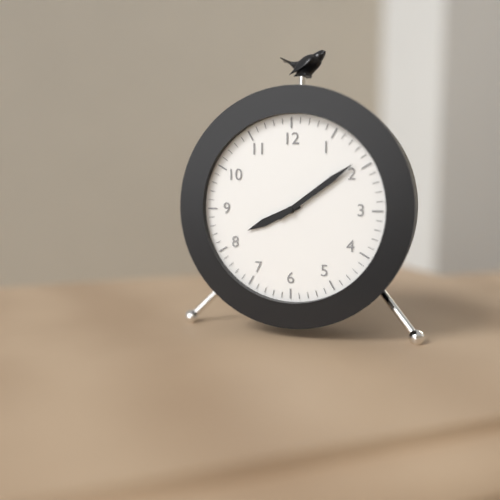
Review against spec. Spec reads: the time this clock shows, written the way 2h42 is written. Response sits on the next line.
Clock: 8h09
